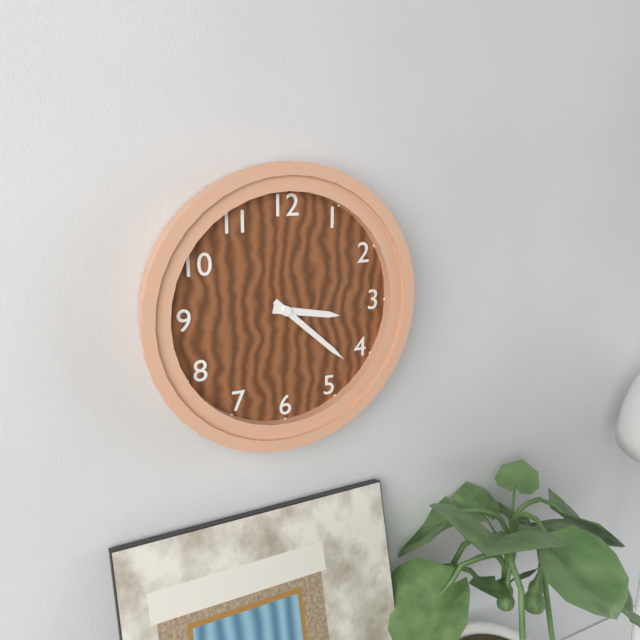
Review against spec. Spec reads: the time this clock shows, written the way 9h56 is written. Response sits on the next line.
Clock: 3h22
